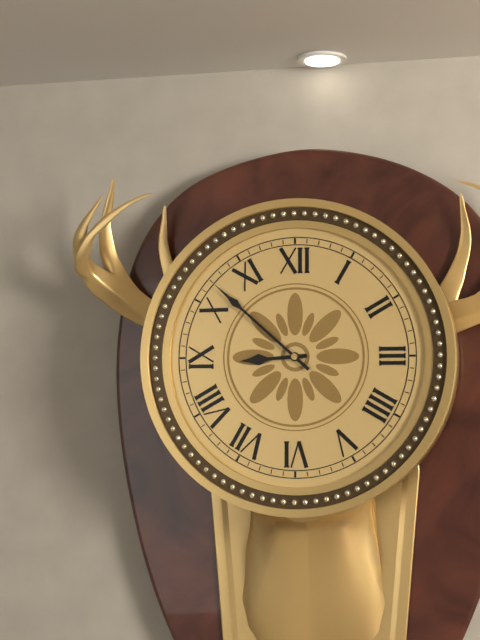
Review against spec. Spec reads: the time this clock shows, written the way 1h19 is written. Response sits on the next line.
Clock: 8h52
